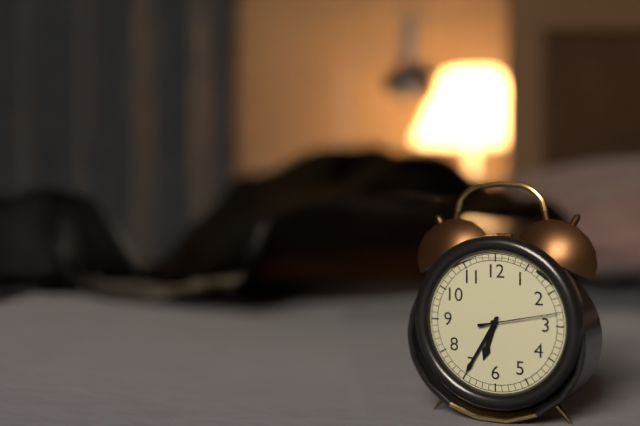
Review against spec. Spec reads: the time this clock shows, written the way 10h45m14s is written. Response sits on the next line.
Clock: 6h35m13s
